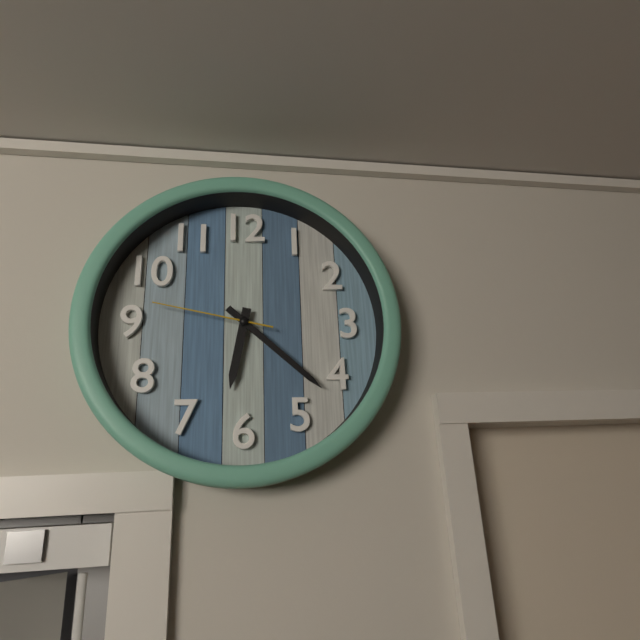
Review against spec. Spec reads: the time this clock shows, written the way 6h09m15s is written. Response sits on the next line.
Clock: 6h22m47s
